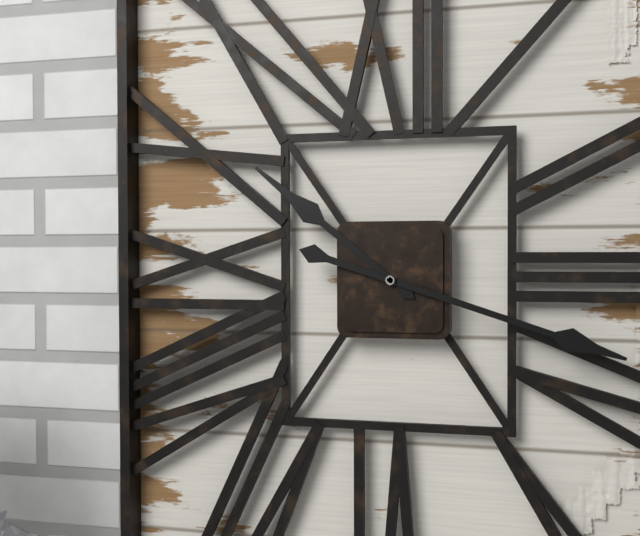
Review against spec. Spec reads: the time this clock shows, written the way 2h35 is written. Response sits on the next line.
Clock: 10h18
